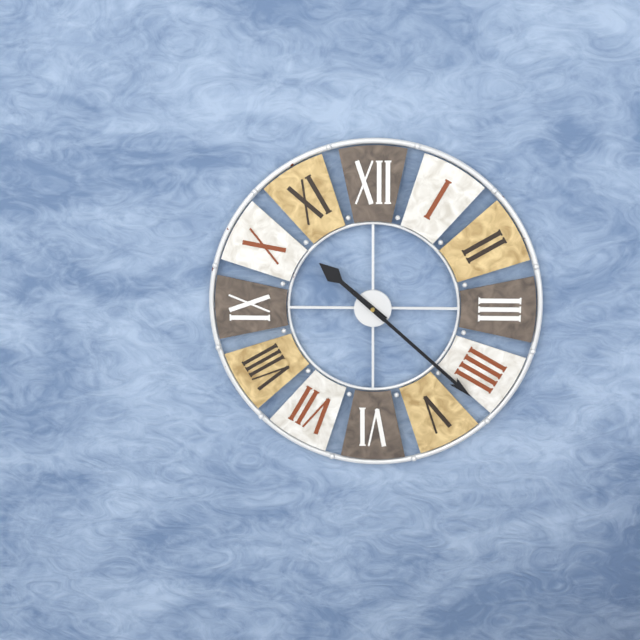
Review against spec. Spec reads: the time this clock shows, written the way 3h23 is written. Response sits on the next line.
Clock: 10h22
